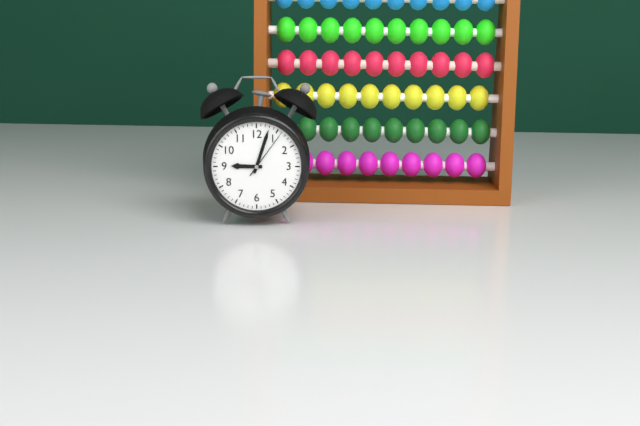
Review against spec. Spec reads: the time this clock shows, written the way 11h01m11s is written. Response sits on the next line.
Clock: 9h03m06s
